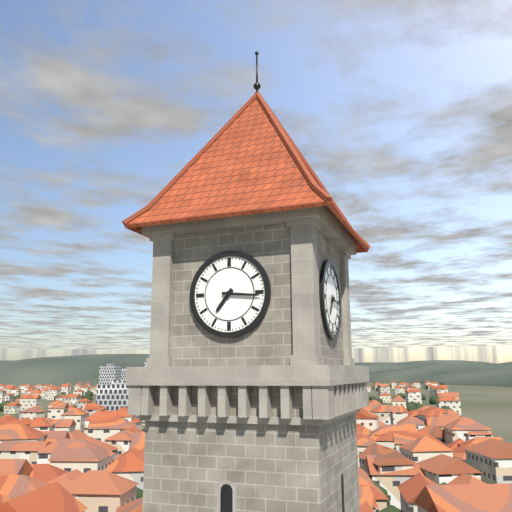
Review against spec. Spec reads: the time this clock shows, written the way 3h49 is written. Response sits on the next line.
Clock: 7h16
